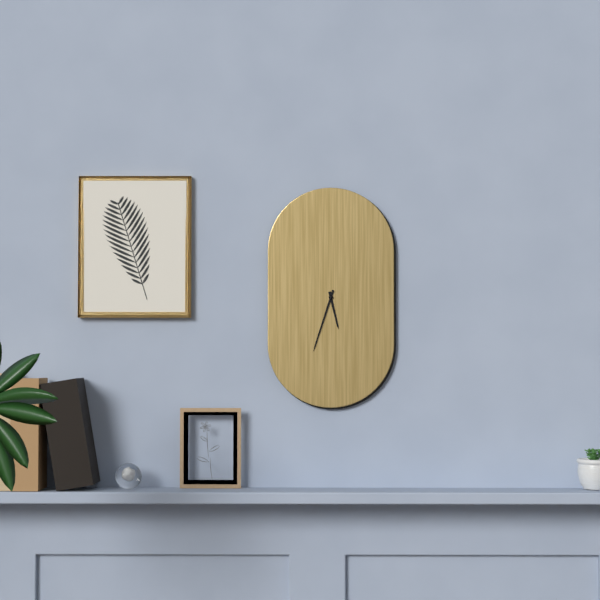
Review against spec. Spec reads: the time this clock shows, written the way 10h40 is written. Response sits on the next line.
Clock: 5h33
